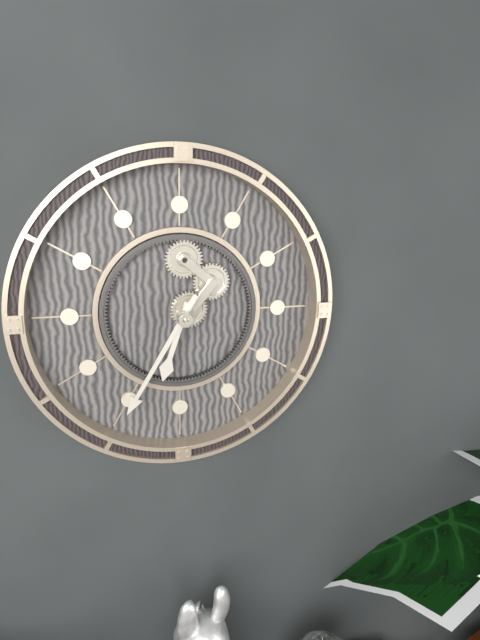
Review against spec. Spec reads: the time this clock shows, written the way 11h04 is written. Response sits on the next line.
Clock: 6h35
